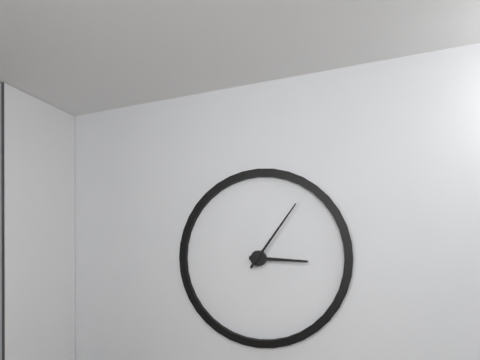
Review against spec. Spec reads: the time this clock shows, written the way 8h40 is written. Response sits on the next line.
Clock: 3h06
